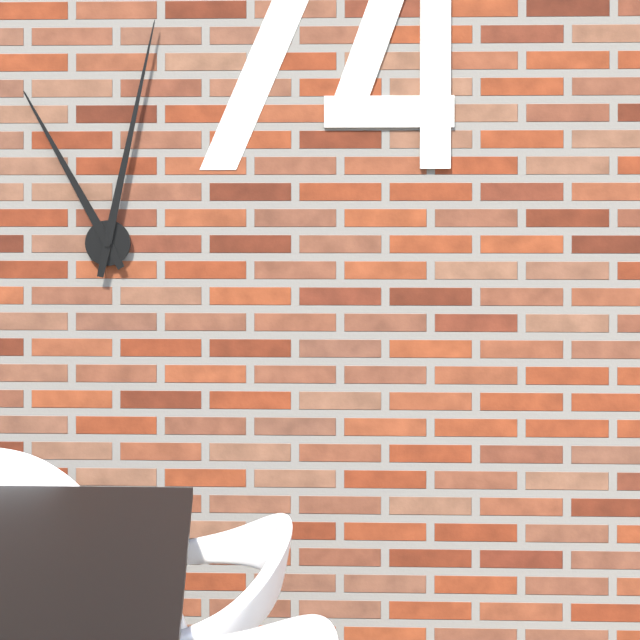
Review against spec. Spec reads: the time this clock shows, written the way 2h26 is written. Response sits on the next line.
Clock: 11h02
